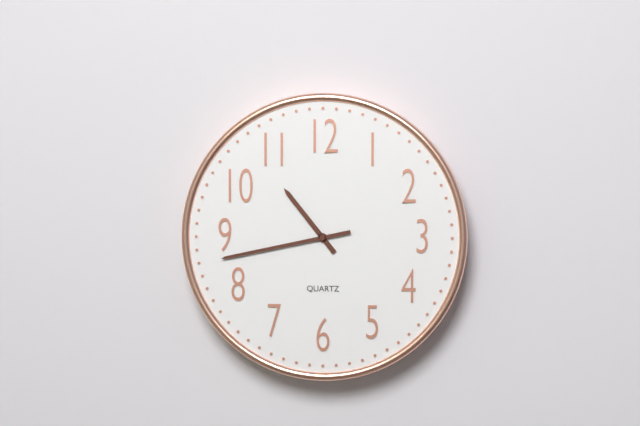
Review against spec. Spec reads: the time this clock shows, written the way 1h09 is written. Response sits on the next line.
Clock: 10h43
